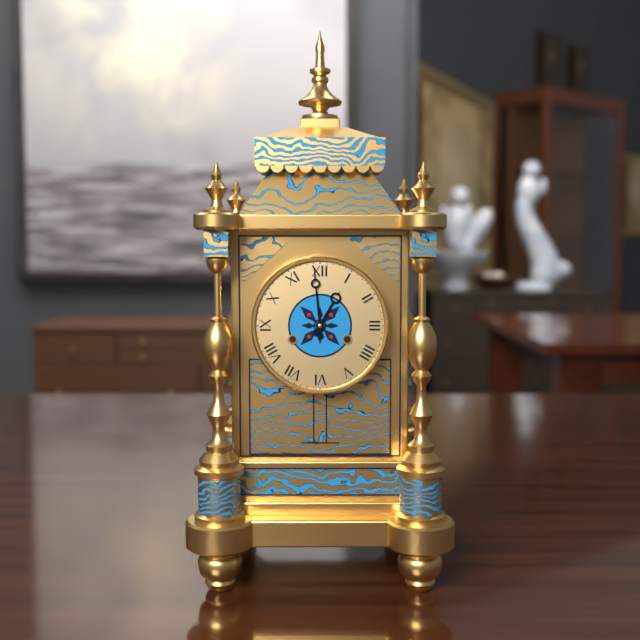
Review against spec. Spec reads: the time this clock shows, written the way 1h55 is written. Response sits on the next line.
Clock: 12h59
